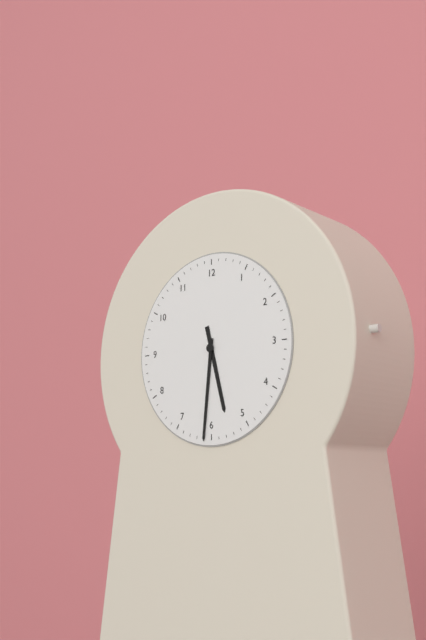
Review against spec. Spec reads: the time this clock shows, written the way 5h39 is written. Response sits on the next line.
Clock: 5h31
